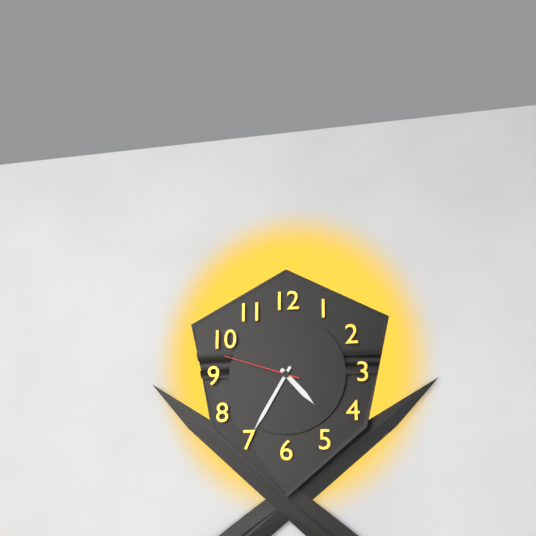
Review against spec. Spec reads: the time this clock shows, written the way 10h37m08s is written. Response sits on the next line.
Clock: 4h35m48s
